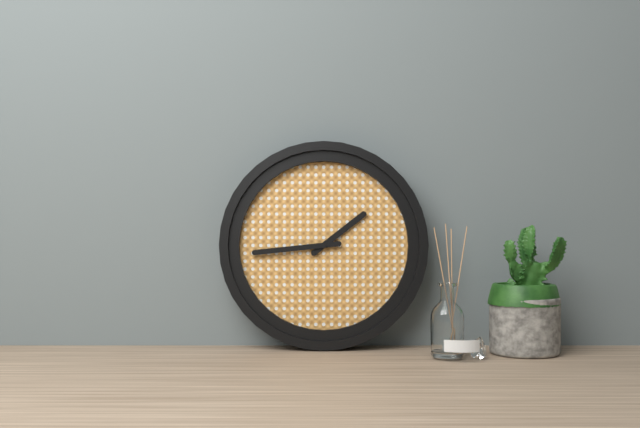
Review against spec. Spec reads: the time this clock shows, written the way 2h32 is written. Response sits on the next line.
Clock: 1h44
